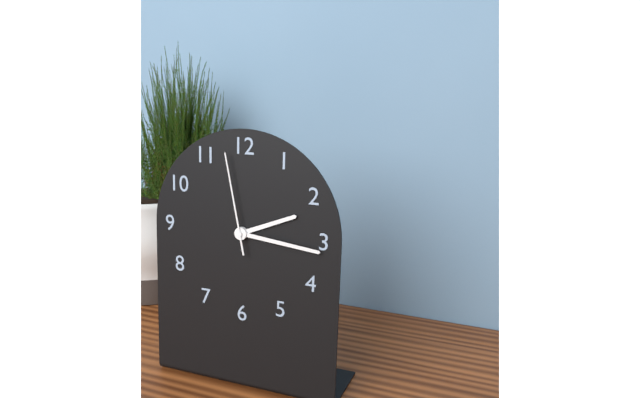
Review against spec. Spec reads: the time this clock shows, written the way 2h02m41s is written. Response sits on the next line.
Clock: 2h16m58s
